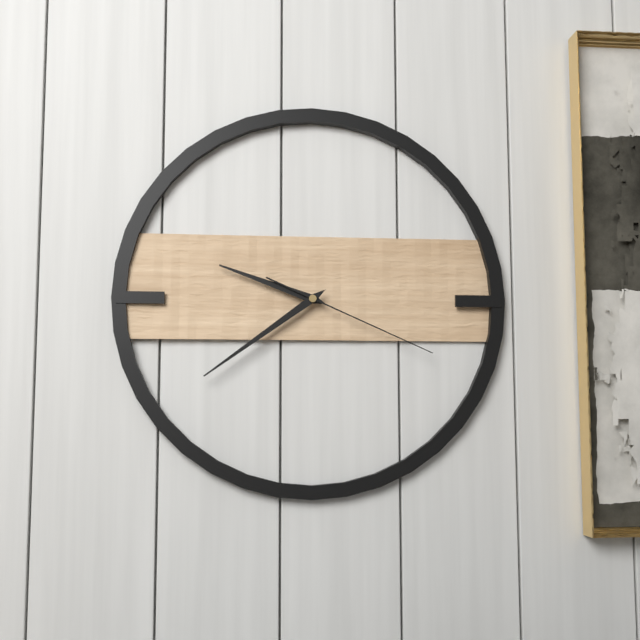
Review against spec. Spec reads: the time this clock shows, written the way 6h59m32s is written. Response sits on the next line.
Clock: 9h39m19s
